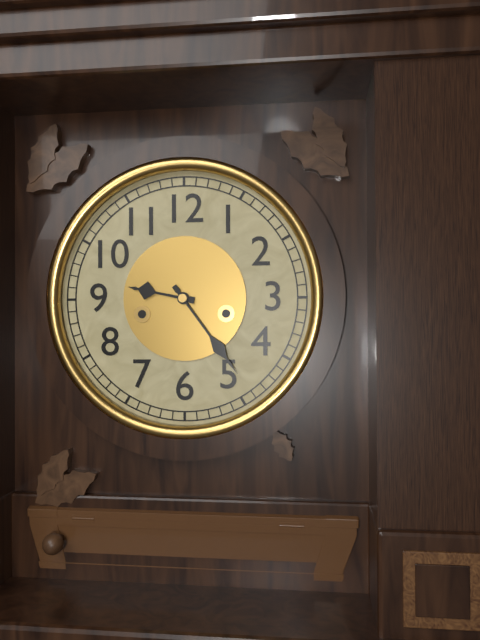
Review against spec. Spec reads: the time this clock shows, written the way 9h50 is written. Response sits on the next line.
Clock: 9h24
